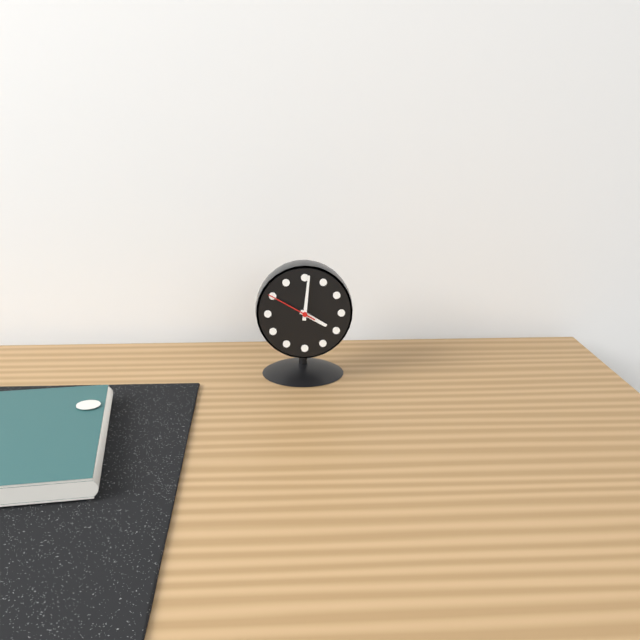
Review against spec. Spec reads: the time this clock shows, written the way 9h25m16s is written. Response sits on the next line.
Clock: 4h01m50s
